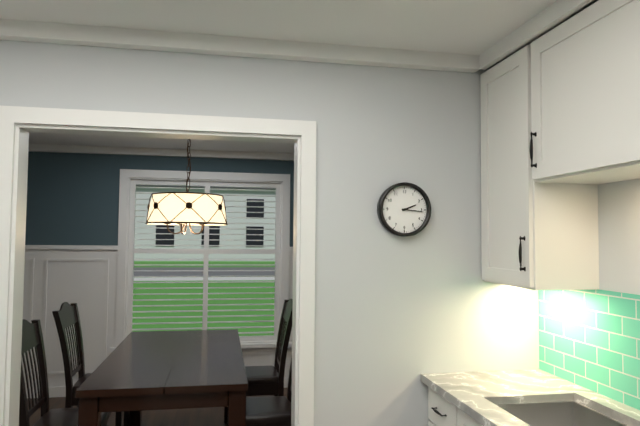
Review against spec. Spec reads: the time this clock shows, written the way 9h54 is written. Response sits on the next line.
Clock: 2h16
